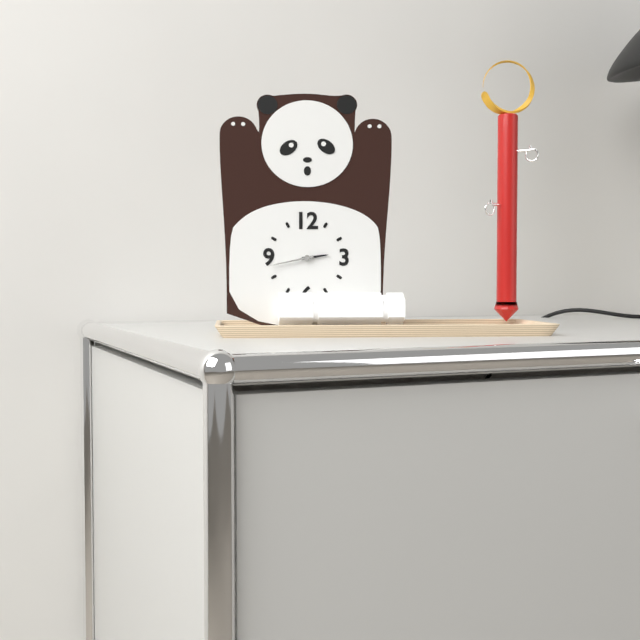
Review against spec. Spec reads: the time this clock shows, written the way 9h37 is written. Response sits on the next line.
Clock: 2h43
